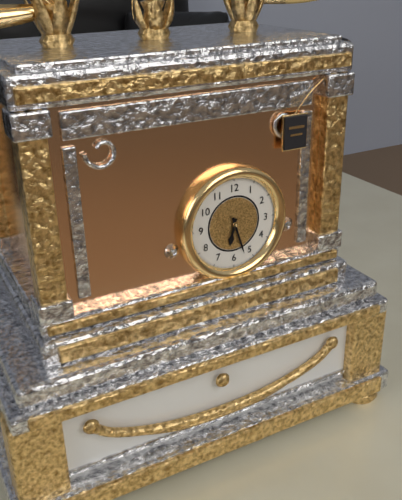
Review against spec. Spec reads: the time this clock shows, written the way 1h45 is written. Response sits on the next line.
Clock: 6h27
